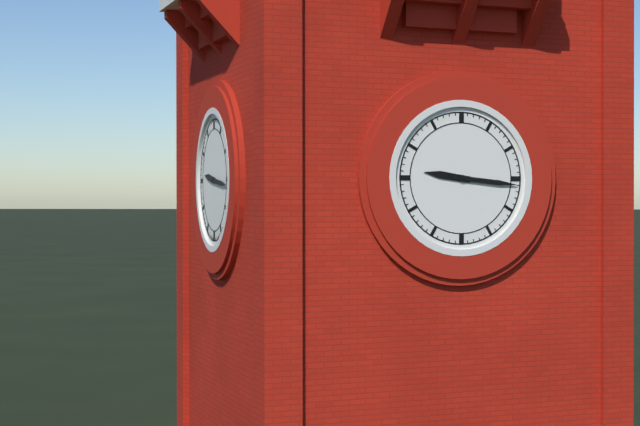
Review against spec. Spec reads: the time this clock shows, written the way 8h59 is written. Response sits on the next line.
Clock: 9h16
